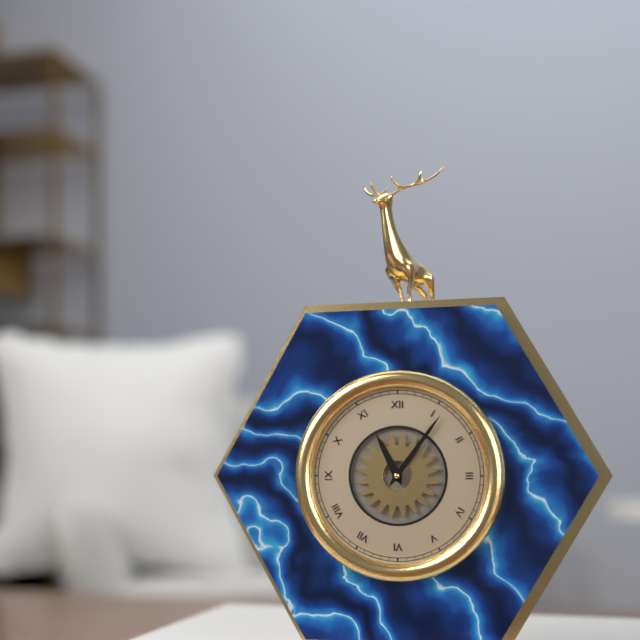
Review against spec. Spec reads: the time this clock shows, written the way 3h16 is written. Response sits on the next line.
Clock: 11h06
